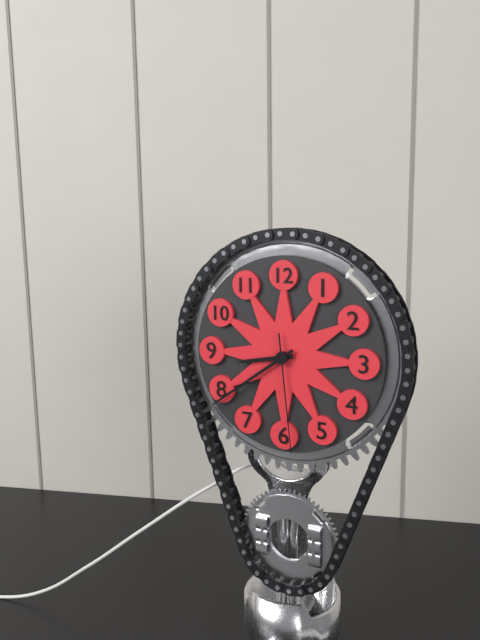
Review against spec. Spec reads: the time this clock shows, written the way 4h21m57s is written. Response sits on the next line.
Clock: 8h39m29s
